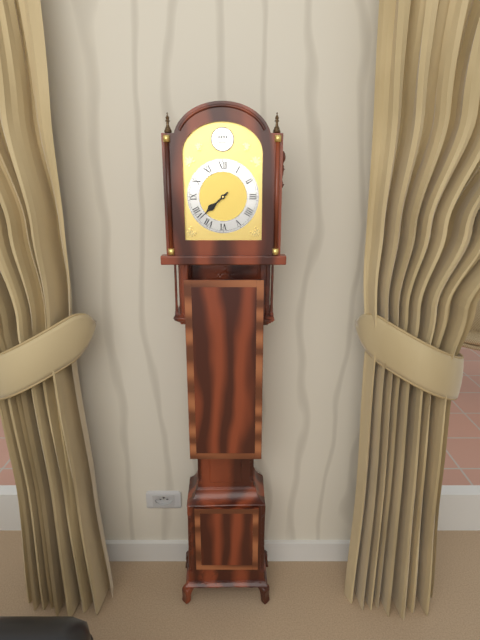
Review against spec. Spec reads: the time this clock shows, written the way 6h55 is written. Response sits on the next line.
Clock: 7h38
